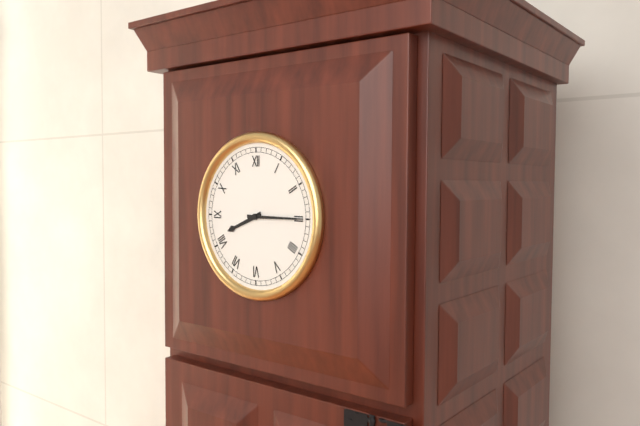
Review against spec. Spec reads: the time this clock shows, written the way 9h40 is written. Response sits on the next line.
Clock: 8h15
